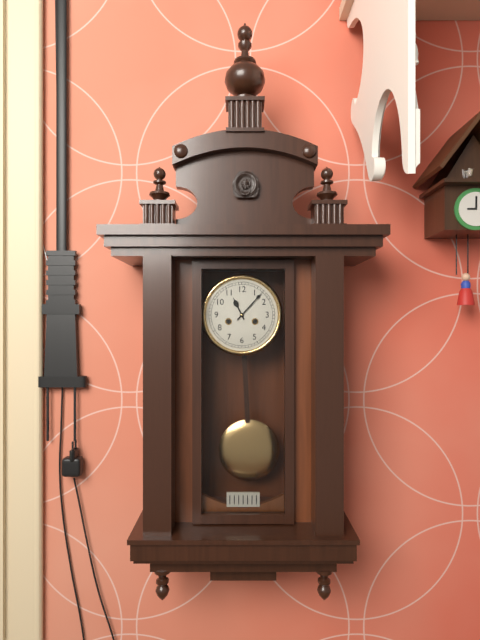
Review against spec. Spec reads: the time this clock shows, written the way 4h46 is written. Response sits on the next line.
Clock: 11h07
